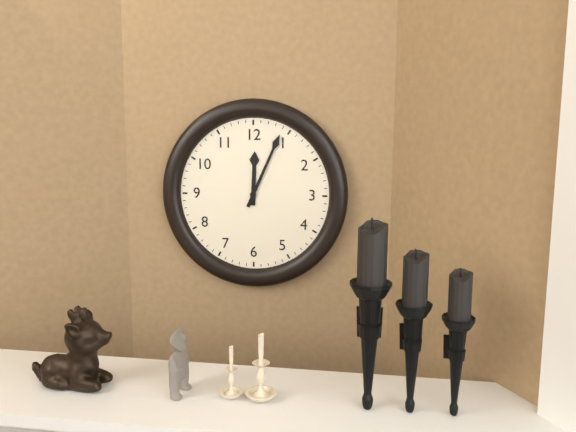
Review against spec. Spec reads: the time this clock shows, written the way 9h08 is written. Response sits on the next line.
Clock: 12h04
